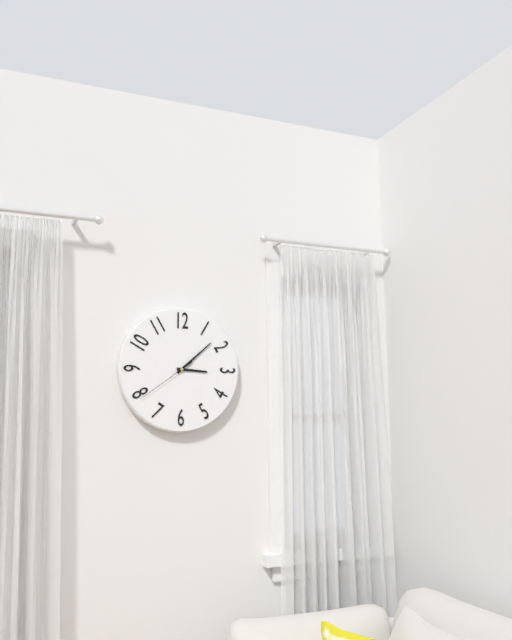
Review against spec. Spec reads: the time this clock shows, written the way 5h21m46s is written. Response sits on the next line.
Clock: 3h08m39s
